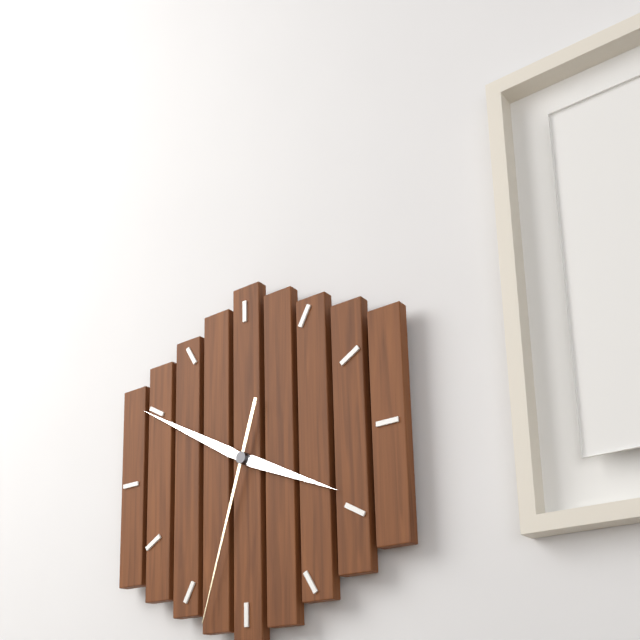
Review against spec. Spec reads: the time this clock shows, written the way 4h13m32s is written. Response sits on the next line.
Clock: 3h50m33s
